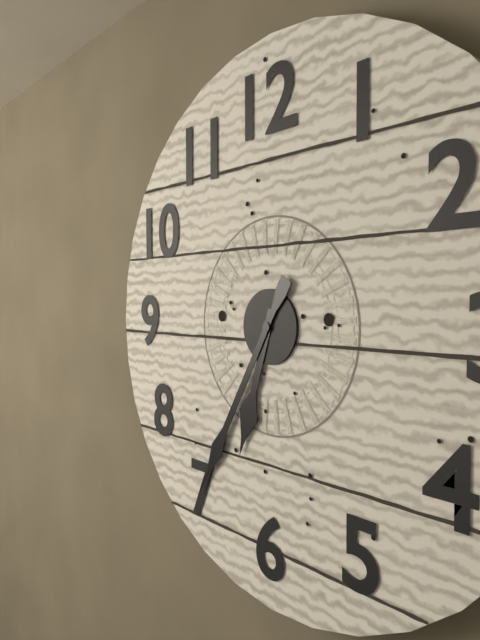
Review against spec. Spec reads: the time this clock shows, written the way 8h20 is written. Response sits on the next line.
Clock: 6h35
